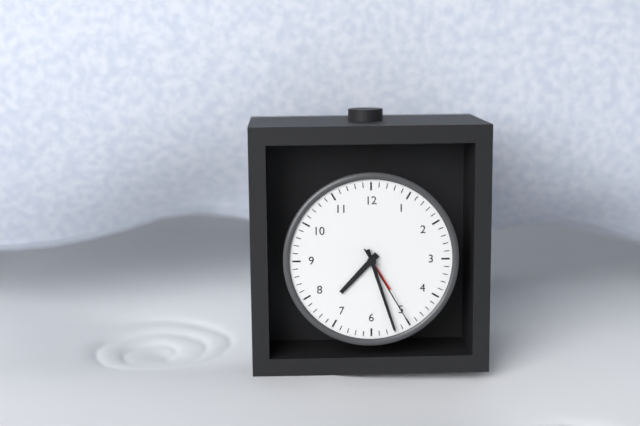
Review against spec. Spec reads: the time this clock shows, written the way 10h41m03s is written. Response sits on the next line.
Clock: 7h27m25s
